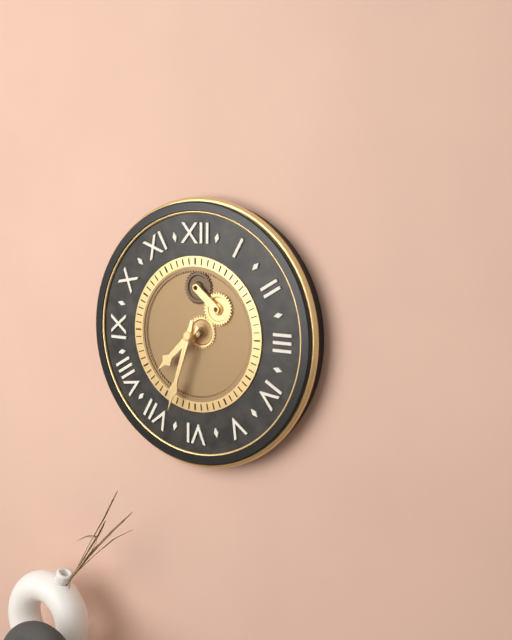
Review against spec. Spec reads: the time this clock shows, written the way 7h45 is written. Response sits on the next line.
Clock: 7h33
